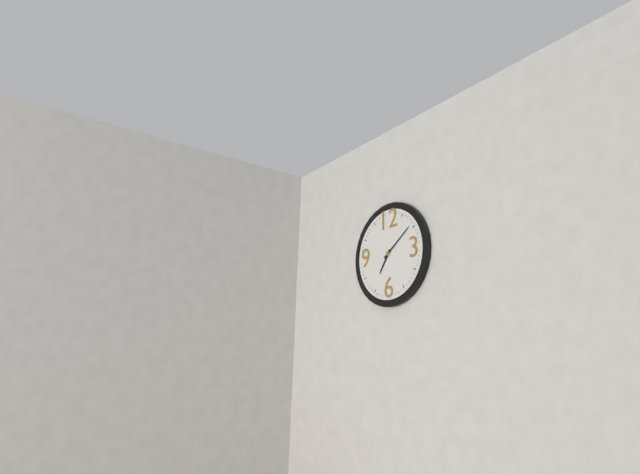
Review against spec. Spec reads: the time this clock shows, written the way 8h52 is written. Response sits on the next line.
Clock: 7h09
